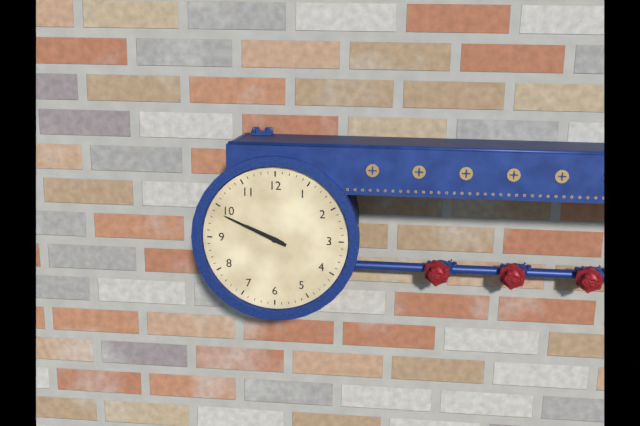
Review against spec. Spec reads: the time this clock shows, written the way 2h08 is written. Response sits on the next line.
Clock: 9h49
